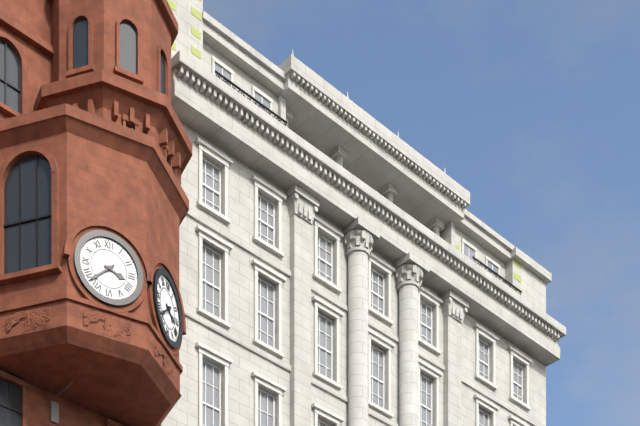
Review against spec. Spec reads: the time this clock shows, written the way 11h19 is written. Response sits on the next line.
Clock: 3h38
